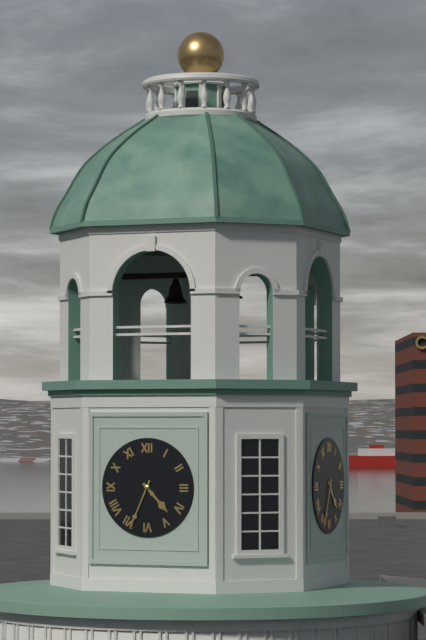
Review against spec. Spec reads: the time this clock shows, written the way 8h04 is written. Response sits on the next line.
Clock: 4h34
